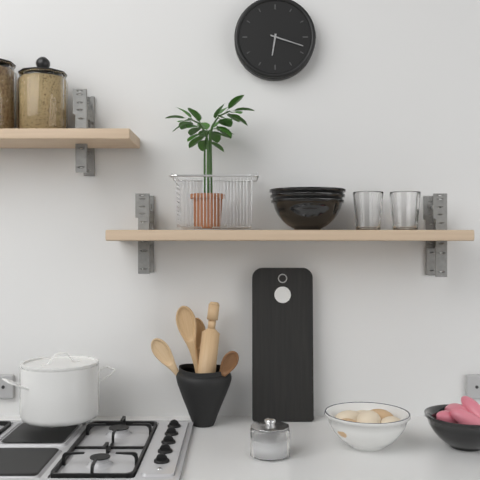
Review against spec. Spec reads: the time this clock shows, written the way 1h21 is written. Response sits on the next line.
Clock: 6h18
